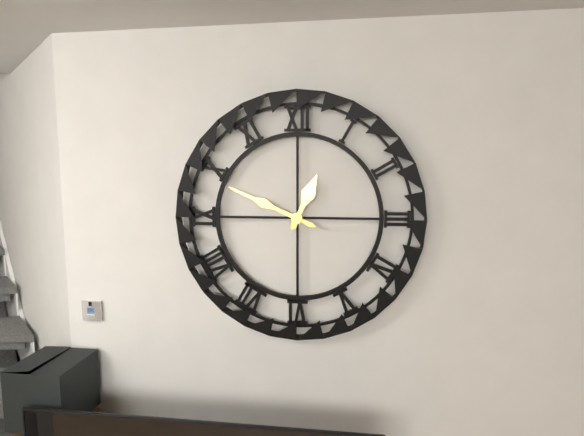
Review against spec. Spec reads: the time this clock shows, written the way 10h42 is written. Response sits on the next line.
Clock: 12h49
